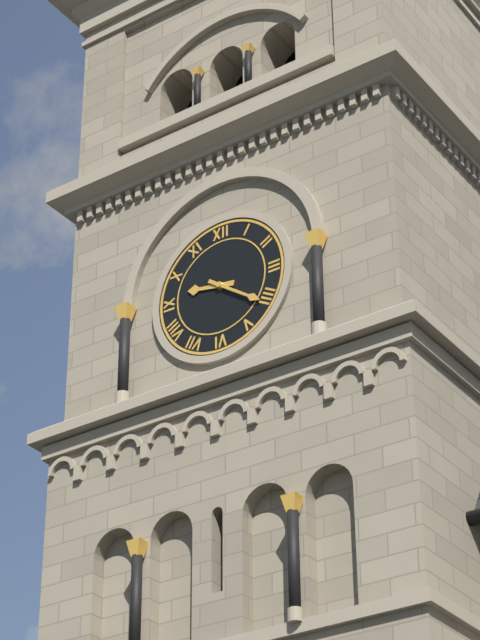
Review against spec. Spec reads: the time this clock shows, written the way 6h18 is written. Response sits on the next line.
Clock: 9h21
